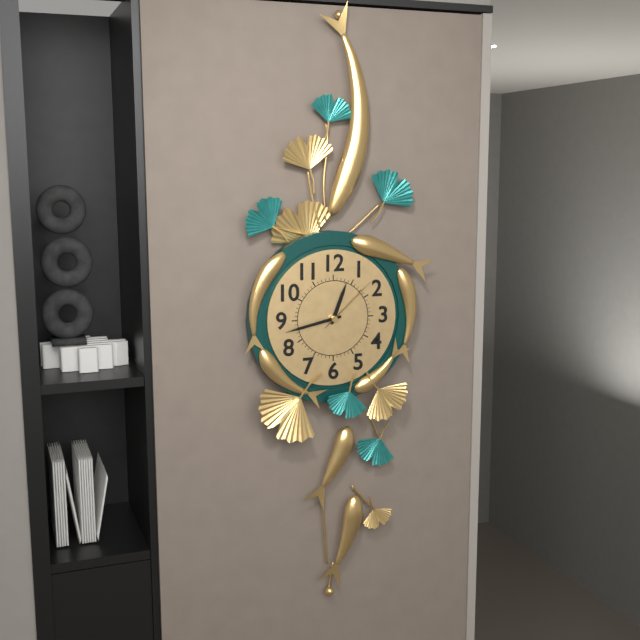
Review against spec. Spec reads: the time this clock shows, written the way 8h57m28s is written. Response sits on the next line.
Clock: 12h43m08s
